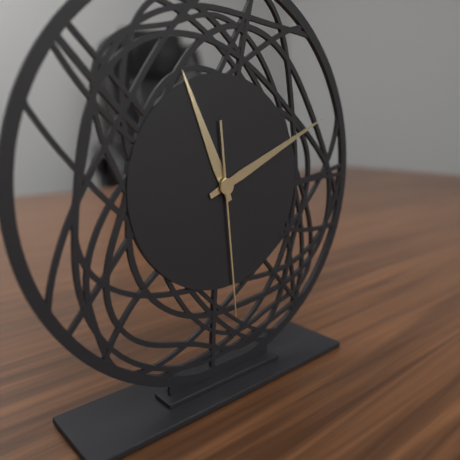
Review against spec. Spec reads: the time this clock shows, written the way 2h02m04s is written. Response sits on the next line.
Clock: 11h11m29s
